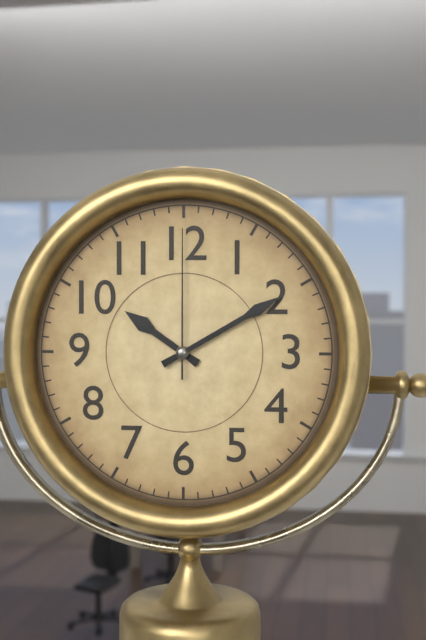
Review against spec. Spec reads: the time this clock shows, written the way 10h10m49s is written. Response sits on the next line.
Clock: 10h10m00s
